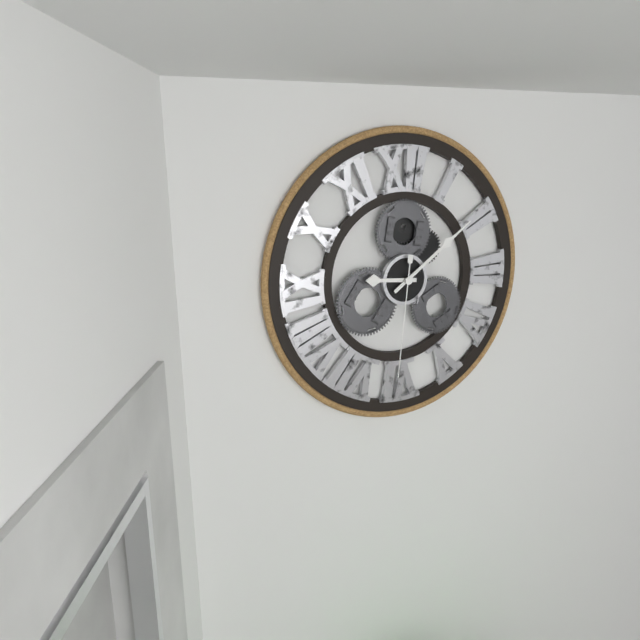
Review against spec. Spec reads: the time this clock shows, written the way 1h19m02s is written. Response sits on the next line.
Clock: 9h09m31s
